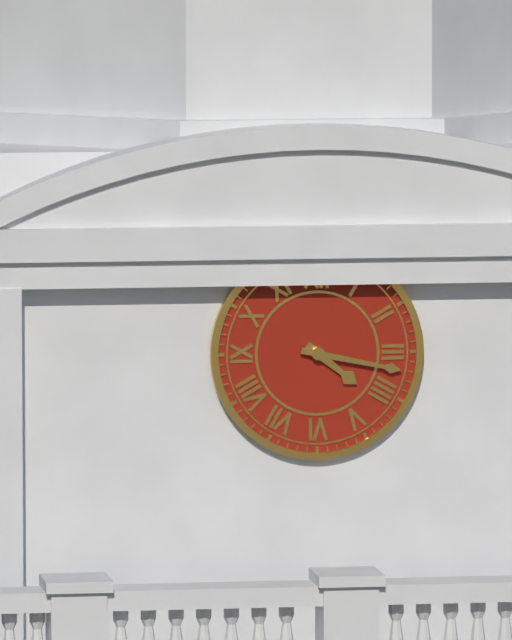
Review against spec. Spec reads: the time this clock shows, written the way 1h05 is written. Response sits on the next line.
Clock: 4h17
